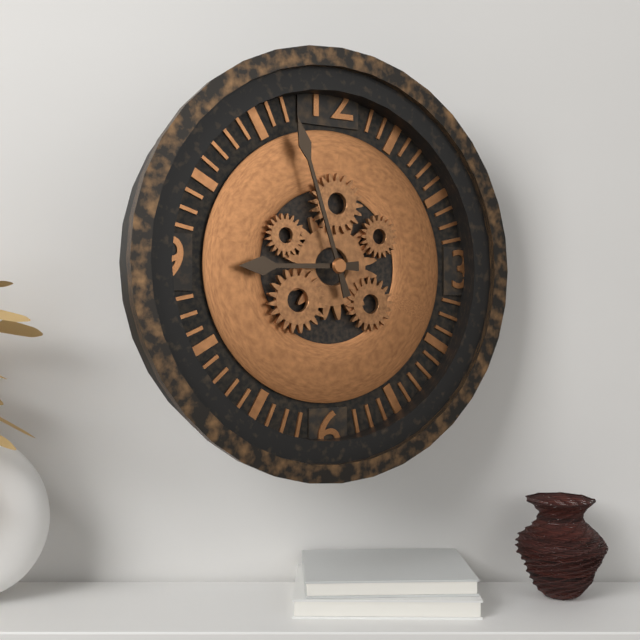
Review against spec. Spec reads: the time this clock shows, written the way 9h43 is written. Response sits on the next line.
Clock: 8h57
